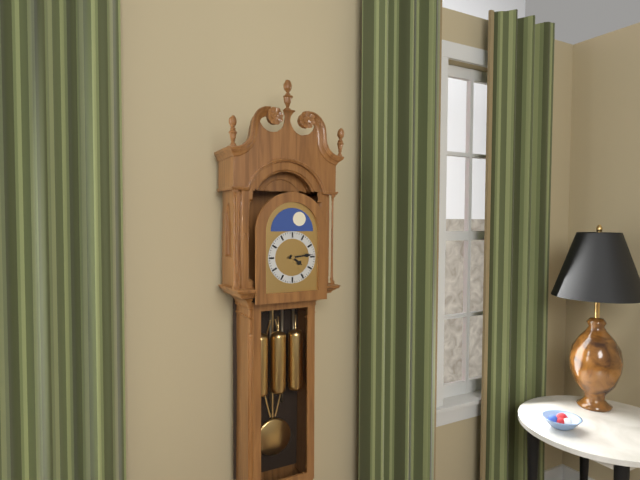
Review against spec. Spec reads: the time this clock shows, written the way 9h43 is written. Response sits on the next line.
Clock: 4h14
